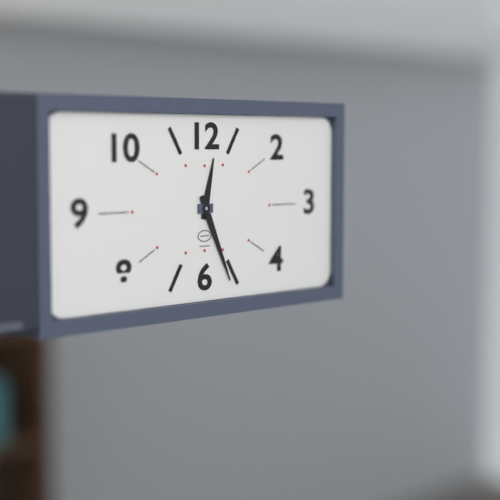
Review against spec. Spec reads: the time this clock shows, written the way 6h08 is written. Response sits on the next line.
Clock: 12h26
